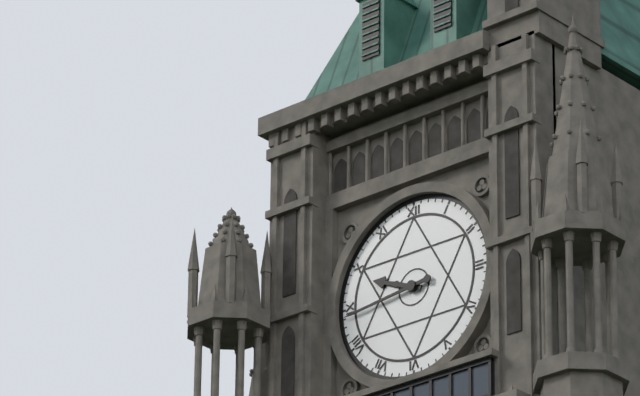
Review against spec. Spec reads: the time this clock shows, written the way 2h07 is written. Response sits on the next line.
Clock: 9h44
